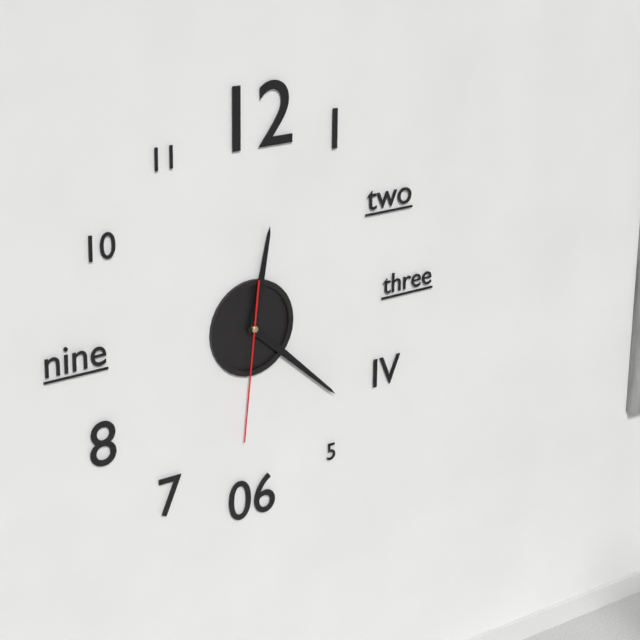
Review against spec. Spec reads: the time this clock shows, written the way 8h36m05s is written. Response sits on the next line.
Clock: 12h22m31s
